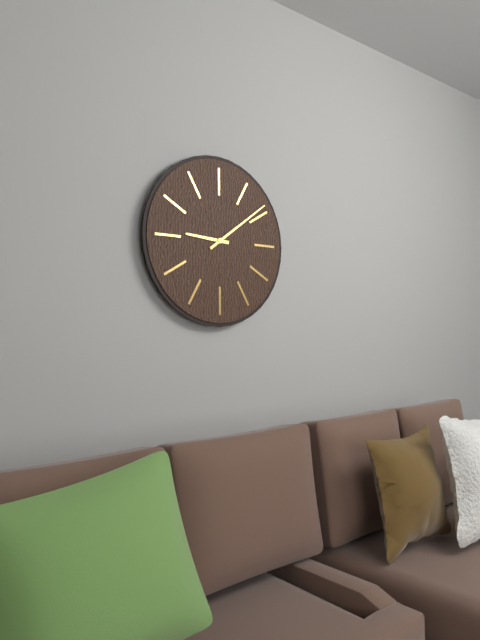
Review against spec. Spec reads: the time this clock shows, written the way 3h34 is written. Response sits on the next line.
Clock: 9h09
